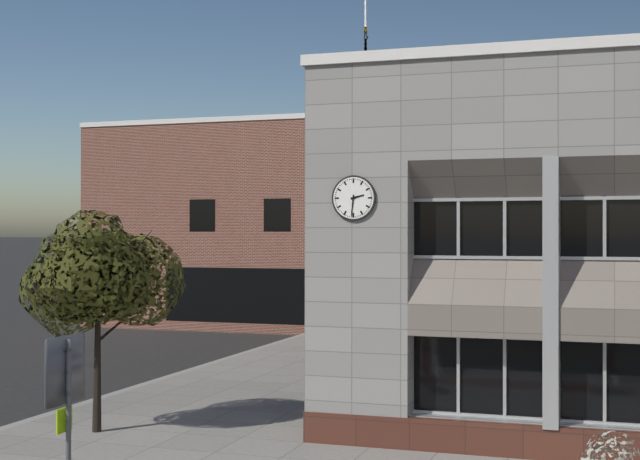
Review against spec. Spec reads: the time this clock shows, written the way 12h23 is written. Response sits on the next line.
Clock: 2h31
